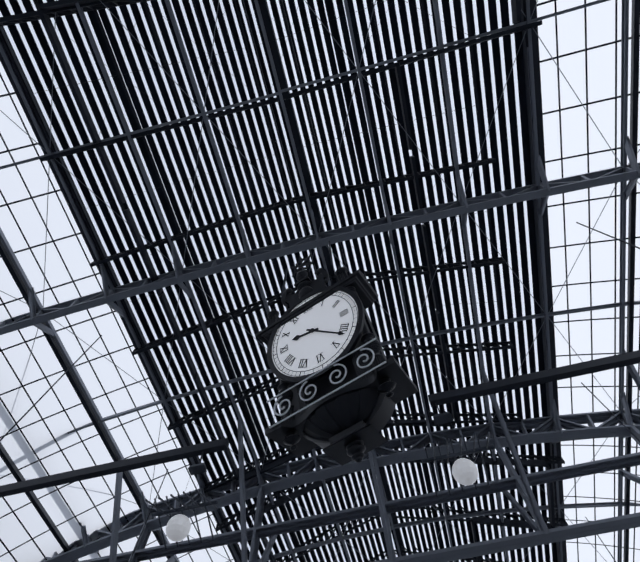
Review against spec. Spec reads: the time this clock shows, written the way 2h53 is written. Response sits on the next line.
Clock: 9h22
